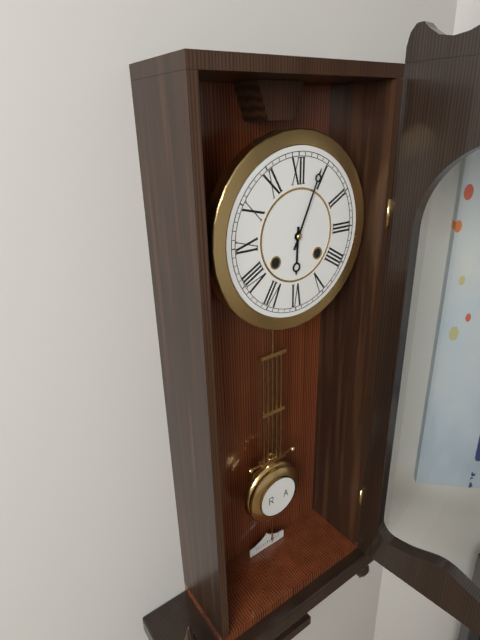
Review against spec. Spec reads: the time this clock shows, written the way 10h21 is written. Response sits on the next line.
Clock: 6h04
